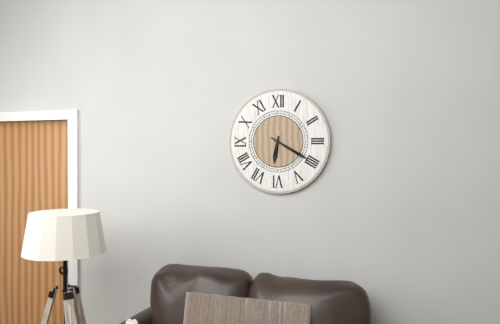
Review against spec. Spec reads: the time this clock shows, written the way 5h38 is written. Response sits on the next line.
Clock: 6h20
